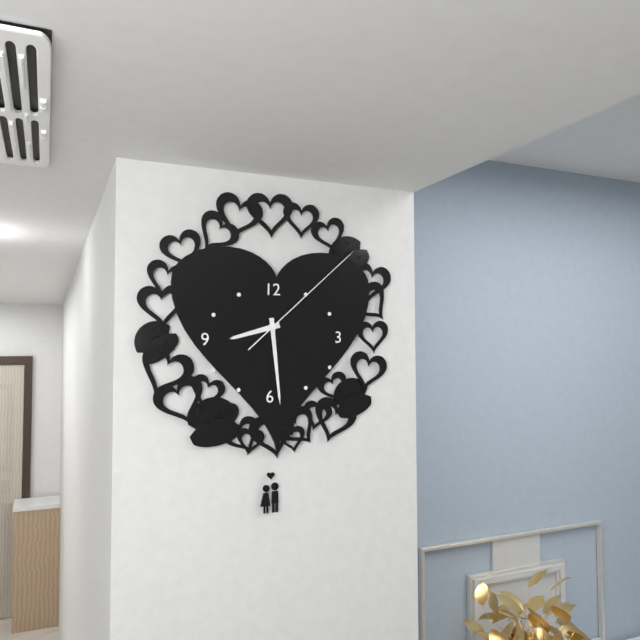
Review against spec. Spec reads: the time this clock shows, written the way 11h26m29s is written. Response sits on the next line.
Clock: 8h29m08s
